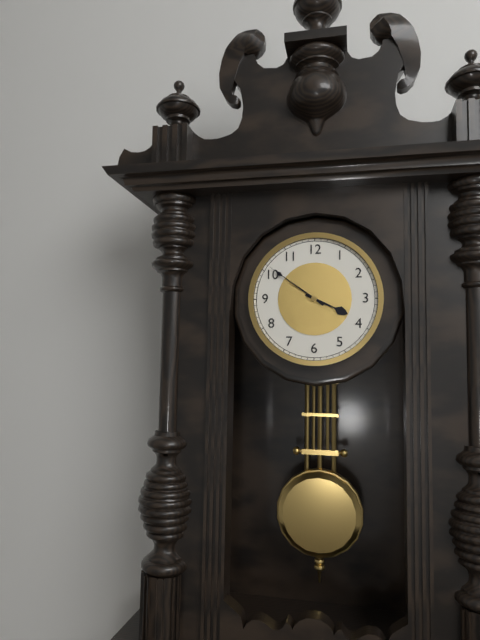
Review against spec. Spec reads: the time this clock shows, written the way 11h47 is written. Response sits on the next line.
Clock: 3h51
